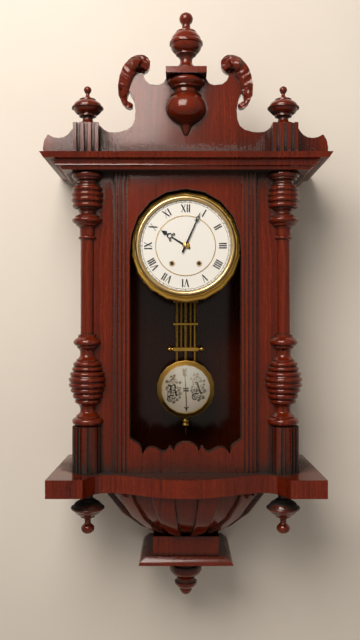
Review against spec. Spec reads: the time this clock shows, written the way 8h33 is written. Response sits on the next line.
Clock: 10h04
